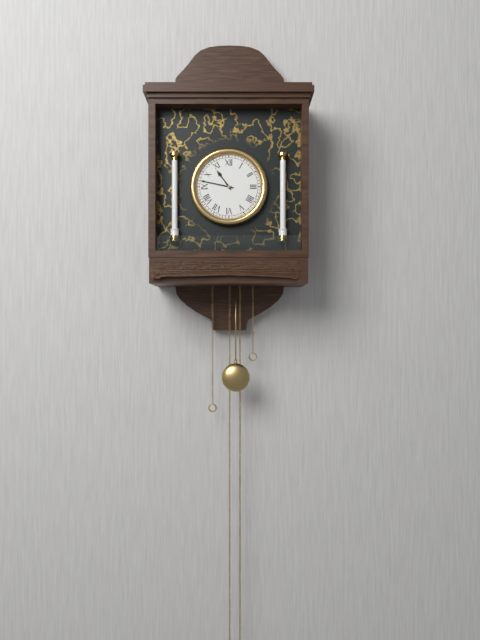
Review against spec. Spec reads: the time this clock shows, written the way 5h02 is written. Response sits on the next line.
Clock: 10h47
